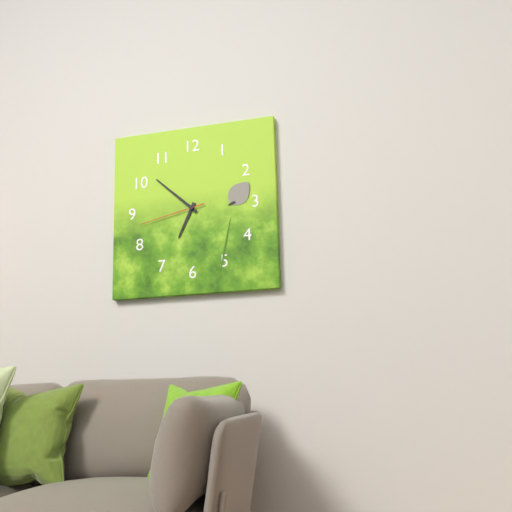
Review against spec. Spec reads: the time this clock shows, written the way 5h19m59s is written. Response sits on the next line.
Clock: 6h52m43s
